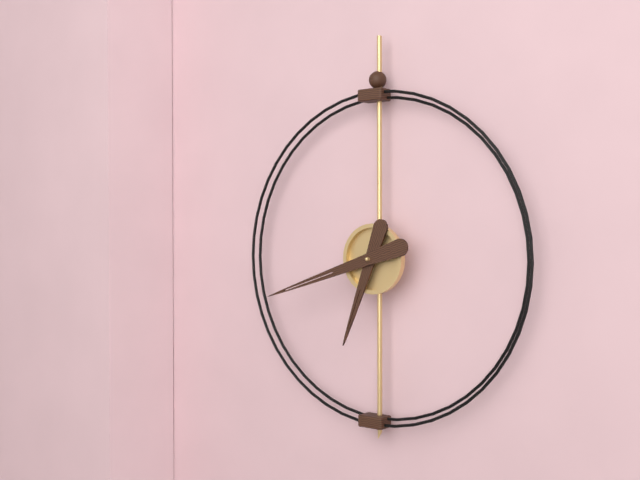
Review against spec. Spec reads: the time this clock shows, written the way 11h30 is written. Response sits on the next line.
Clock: 6h42
